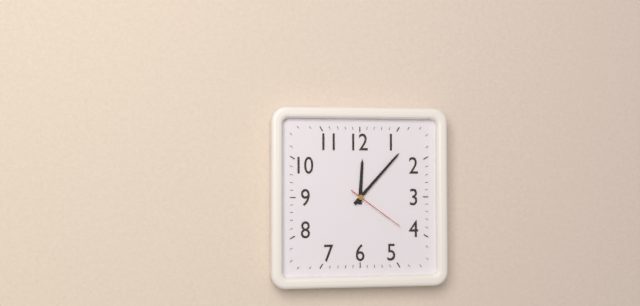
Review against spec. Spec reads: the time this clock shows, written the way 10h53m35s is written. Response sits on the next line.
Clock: 12h07m21s
